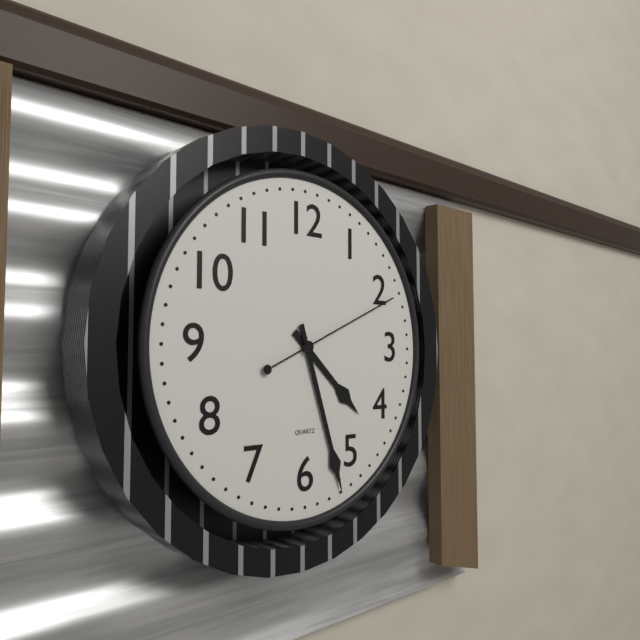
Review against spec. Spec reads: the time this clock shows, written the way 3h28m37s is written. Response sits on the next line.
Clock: 4h27m11s
